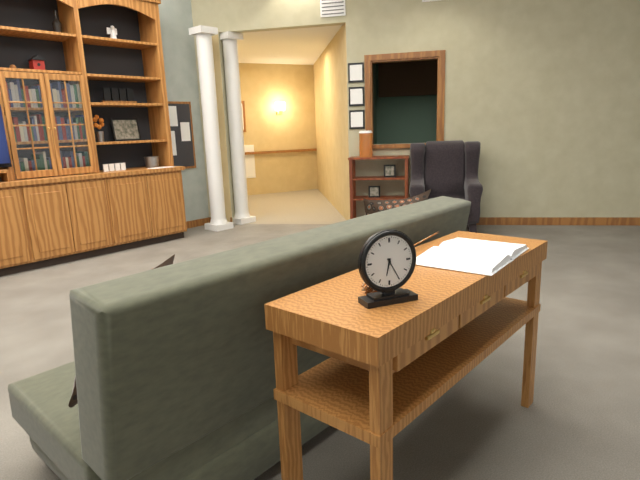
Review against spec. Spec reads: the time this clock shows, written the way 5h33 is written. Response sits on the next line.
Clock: 6h25
